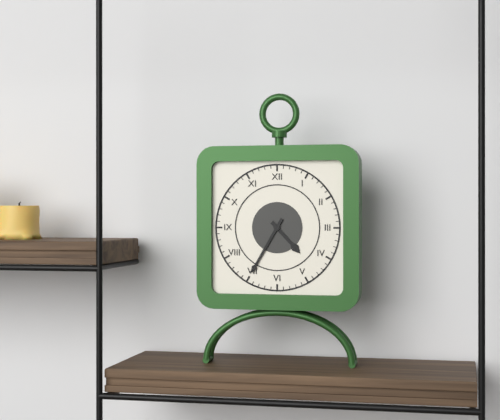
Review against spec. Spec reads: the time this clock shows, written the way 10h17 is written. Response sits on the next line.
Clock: 4h35
